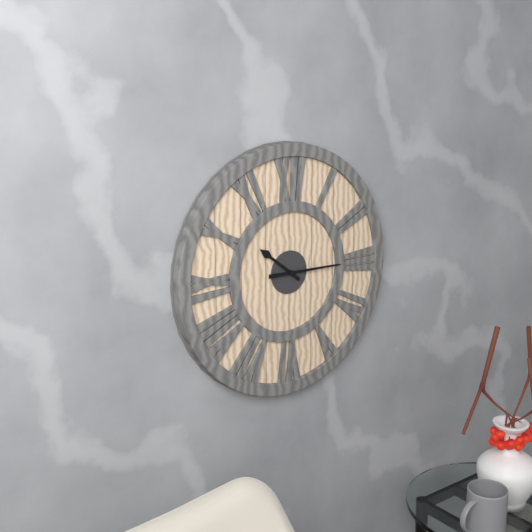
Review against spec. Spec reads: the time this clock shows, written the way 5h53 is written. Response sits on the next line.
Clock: 10h15
